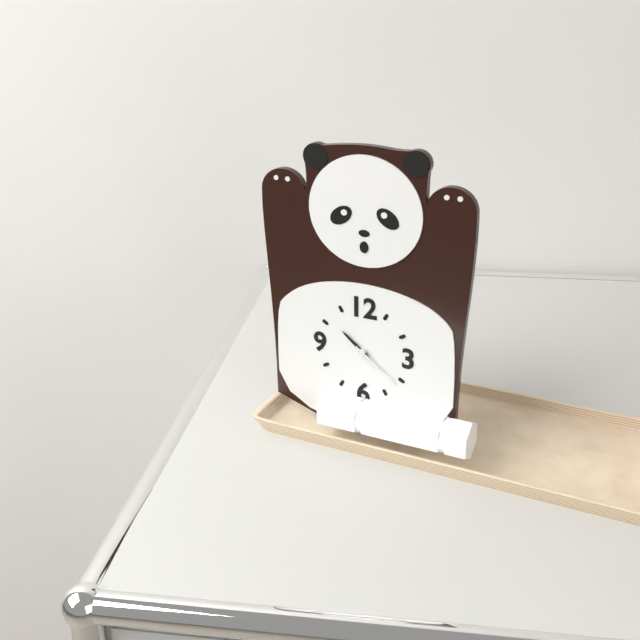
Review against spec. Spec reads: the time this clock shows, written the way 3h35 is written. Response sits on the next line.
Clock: 10h21
